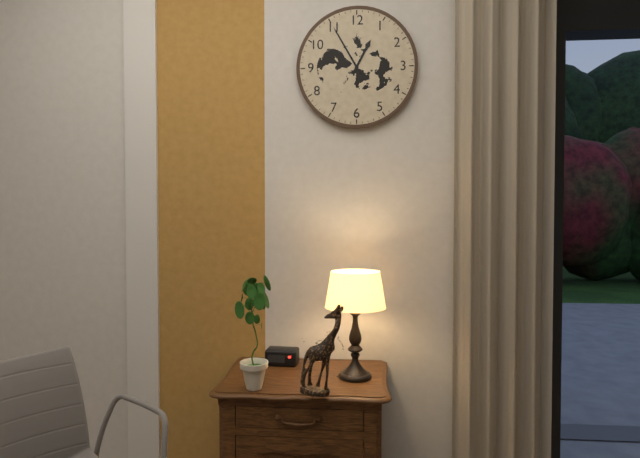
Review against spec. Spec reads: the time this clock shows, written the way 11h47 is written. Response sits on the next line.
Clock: 12h55
